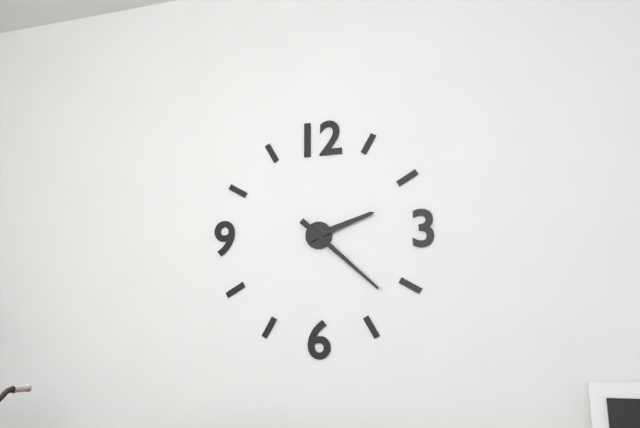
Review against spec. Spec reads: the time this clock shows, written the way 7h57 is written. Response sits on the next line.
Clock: 2h22
